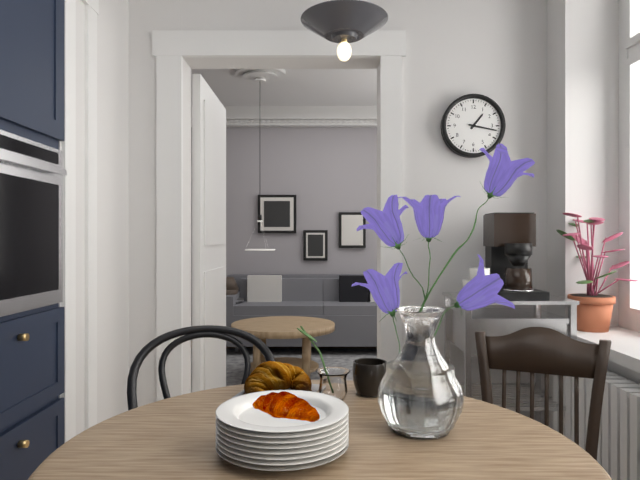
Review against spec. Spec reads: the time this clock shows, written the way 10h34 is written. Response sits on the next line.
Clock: 1h17
